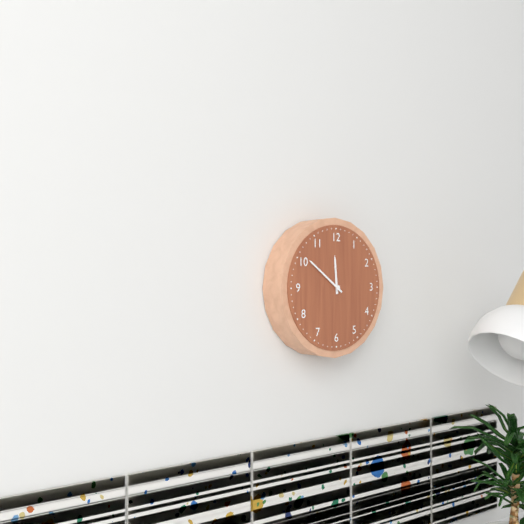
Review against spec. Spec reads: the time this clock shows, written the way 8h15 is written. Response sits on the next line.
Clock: 11h51
